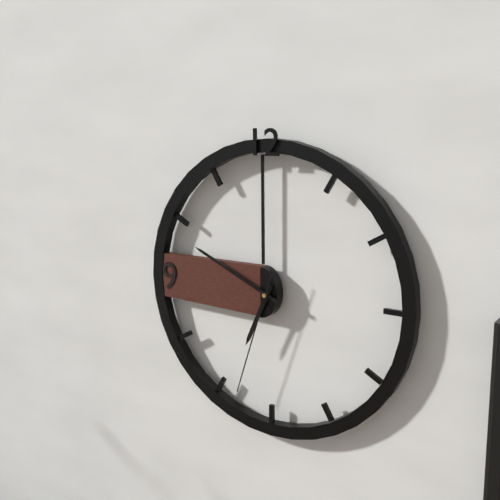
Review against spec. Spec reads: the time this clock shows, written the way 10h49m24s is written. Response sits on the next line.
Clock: 6h49m33s
